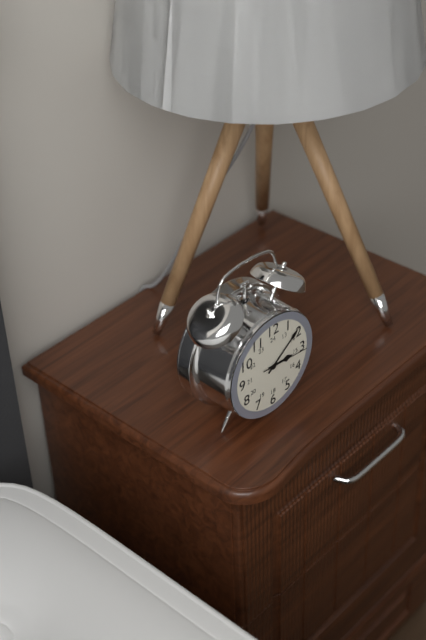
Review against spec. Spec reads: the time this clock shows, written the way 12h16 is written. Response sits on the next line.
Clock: 3h09
